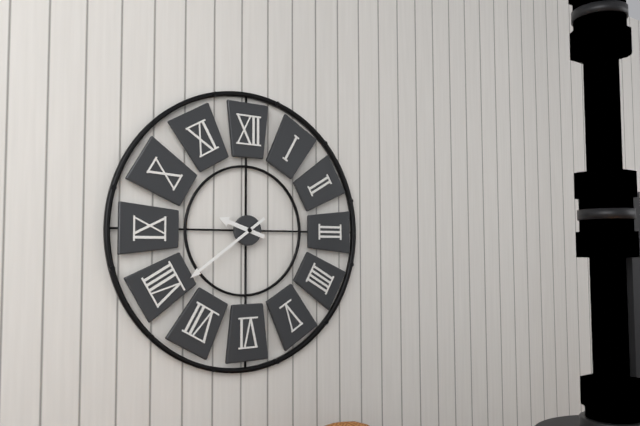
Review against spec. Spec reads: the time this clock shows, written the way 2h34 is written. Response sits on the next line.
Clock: 9h39
